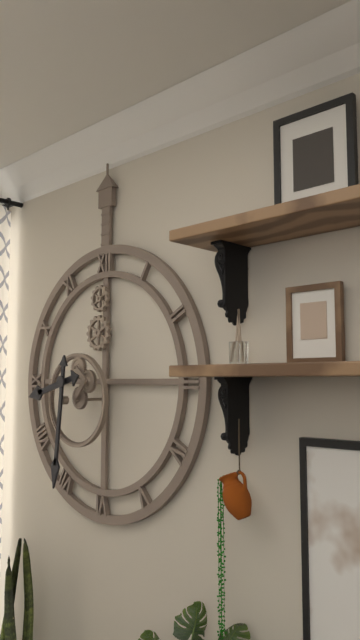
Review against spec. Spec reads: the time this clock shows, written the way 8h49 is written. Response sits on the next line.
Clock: 8h31
